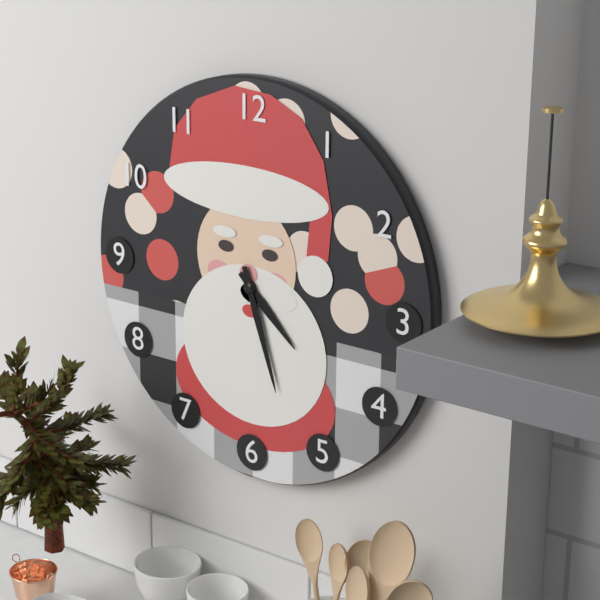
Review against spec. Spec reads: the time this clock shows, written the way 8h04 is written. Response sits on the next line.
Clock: 4h27
